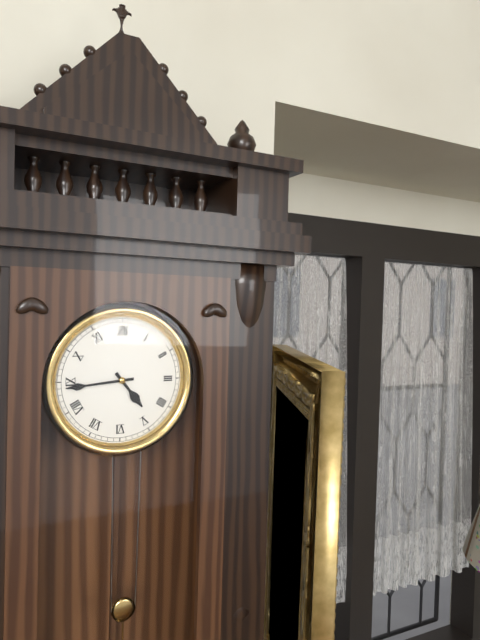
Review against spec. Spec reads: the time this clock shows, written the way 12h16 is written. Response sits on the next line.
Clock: 4h44
